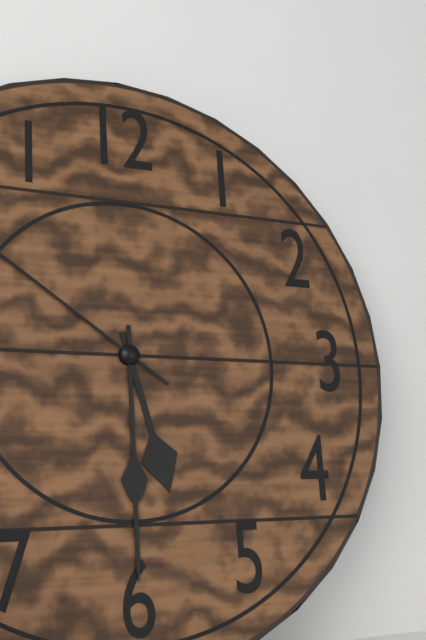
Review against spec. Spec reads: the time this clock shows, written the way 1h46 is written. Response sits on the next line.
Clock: 5h30
